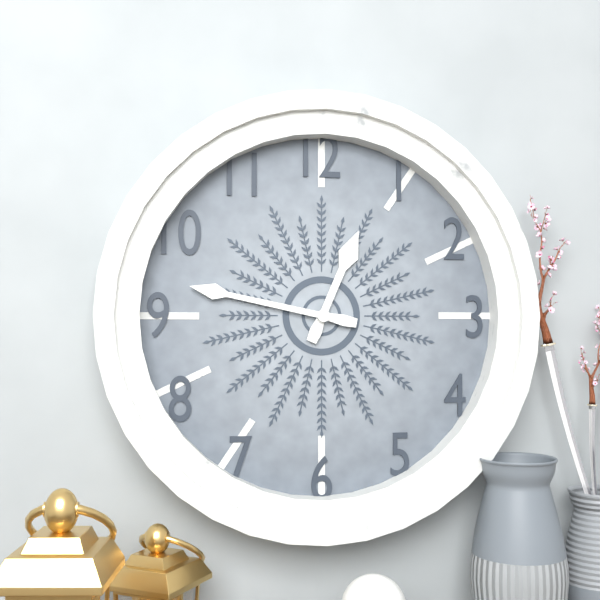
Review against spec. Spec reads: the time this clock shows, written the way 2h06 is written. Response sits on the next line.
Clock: 12h47
